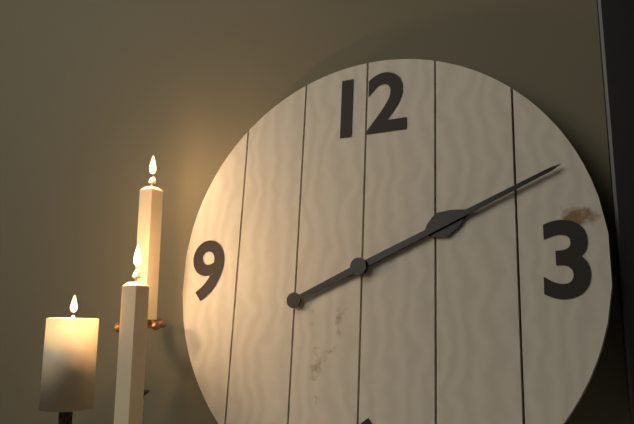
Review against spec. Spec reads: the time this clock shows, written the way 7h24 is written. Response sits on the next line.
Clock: 2h11
